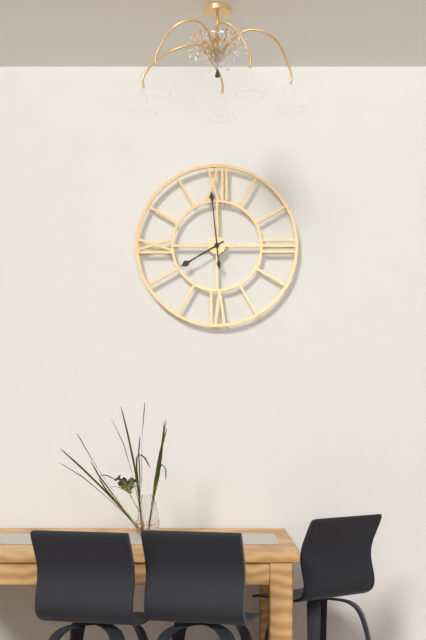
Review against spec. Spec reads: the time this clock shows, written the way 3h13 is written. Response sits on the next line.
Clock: 7h59
